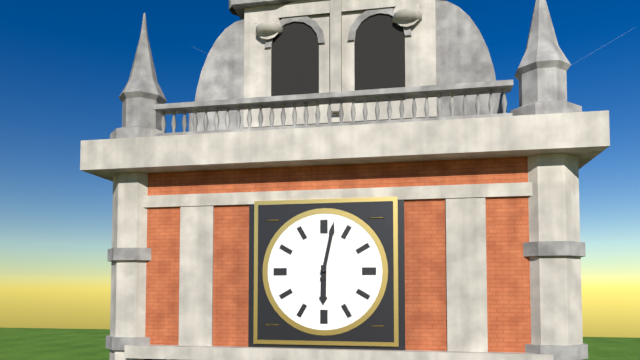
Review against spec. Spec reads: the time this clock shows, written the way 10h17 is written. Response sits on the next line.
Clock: 6h02
